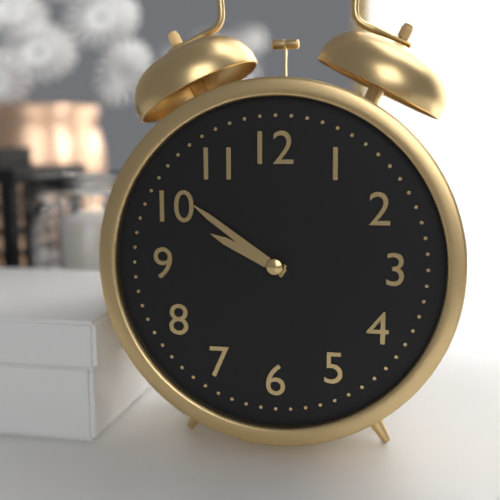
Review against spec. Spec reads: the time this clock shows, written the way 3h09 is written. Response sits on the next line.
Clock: 9h51
